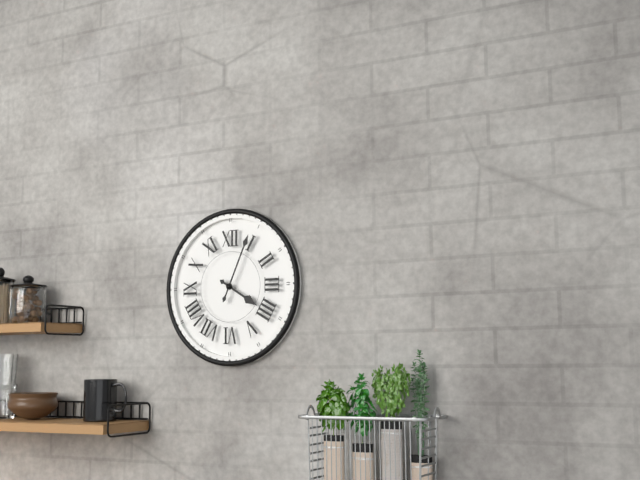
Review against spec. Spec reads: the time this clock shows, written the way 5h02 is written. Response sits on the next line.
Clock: 4h04
